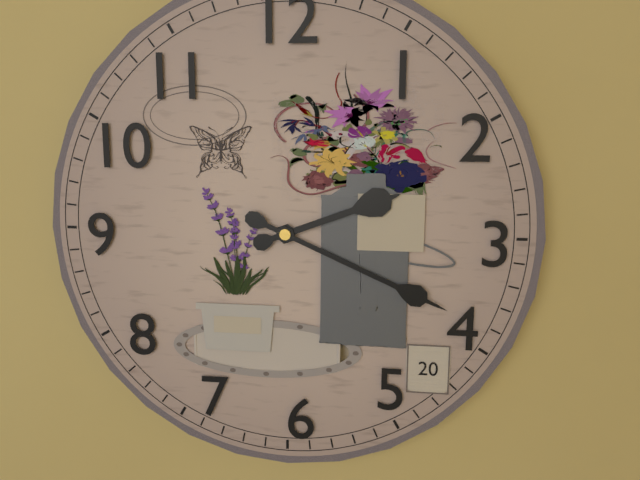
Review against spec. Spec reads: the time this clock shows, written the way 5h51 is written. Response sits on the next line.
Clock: 2h19
